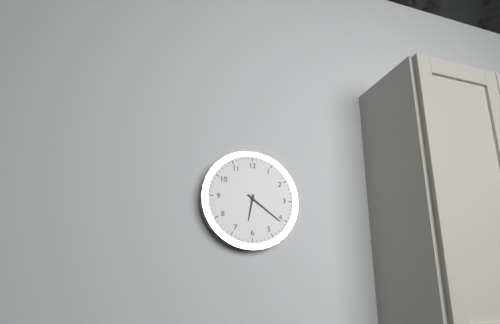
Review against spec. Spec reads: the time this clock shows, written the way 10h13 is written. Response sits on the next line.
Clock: 6h21
